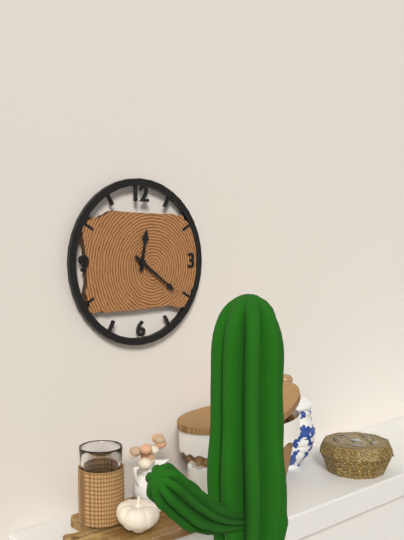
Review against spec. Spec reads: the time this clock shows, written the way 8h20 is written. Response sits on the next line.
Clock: 12h21
